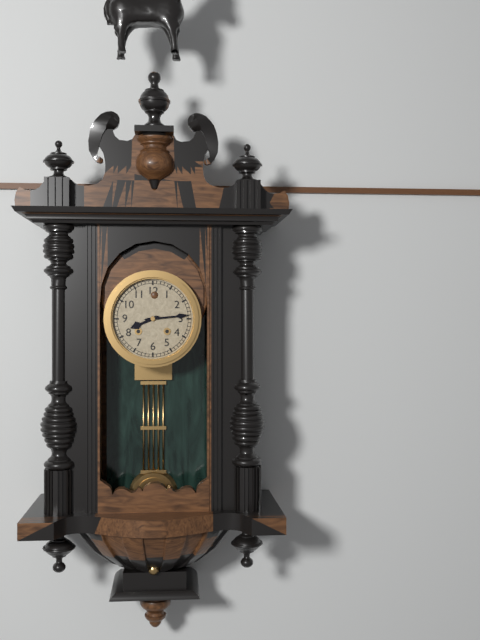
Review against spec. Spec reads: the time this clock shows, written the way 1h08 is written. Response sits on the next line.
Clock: 8h14
